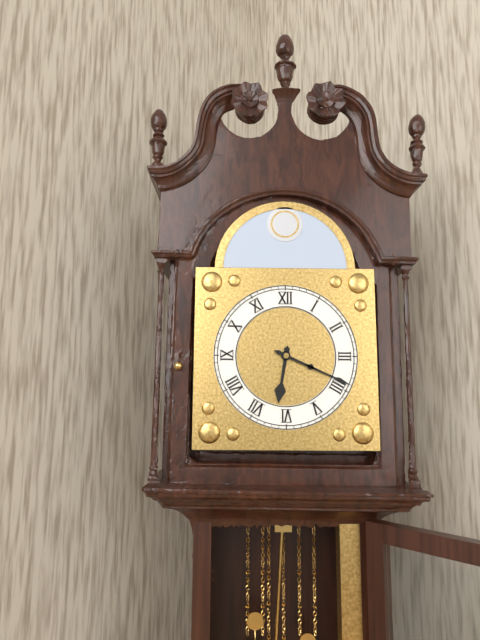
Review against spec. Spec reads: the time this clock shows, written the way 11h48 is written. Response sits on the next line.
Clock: 6h19
